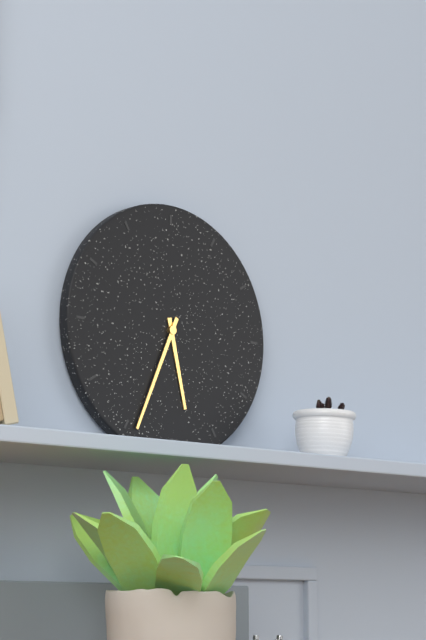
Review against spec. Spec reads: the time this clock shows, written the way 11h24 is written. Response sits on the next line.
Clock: 5h34
